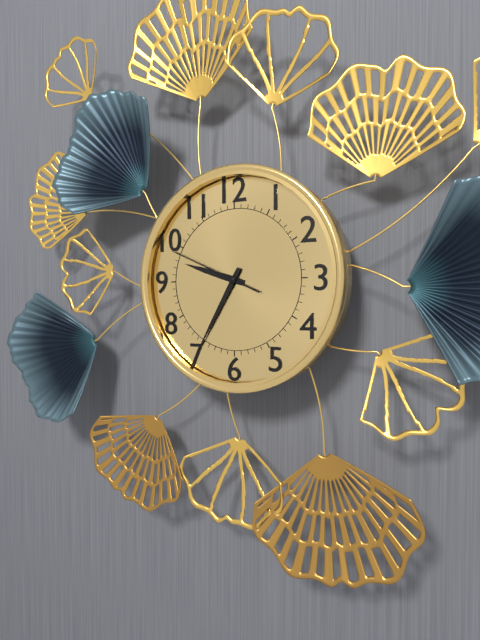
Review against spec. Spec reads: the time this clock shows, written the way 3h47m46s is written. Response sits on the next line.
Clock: 9h35m49s
